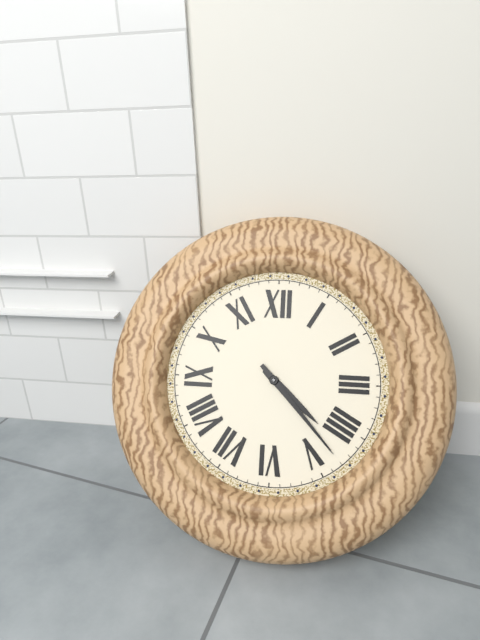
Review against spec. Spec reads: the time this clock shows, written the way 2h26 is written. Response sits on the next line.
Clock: 4h23
